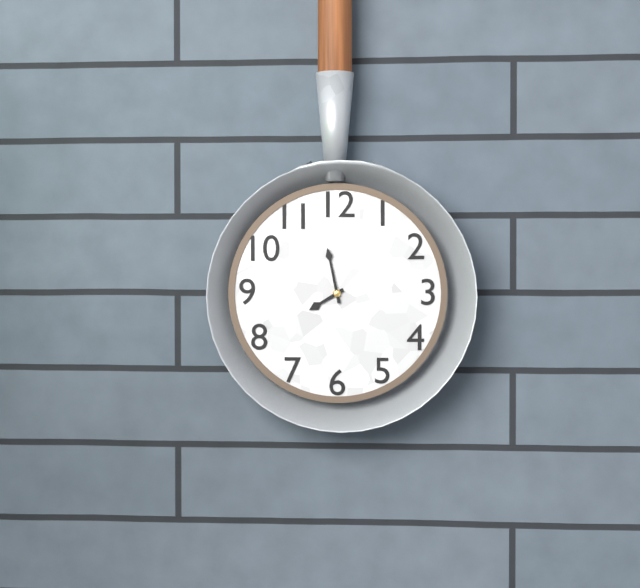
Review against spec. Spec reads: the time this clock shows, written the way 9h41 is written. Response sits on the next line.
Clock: 7h58
